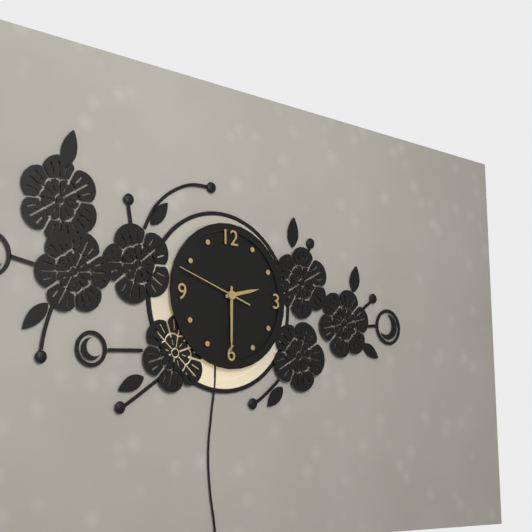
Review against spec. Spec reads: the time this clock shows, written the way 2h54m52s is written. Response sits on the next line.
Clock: 2h30m48s
